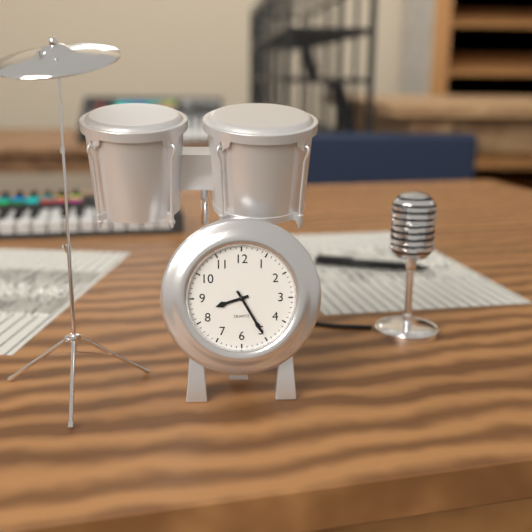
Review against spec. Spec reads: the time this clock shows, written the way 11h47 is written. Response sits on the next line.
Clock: 8h25
